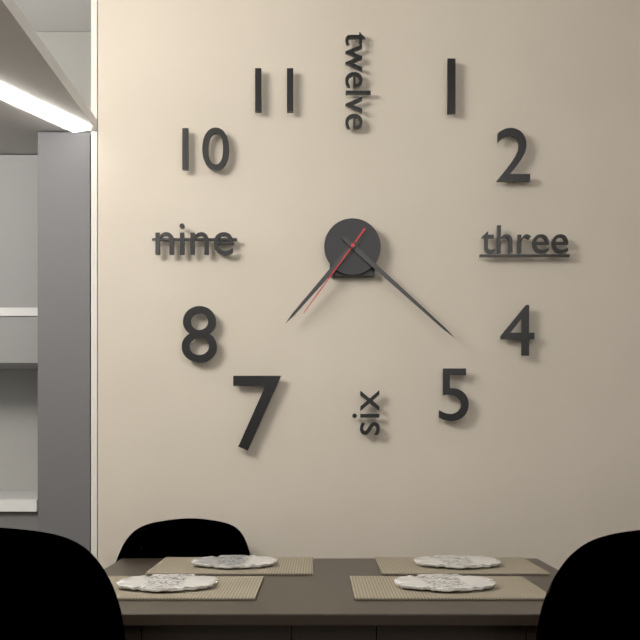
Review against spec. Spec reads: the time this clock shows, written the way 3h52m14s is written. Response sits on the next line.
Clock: 7h22m36s
